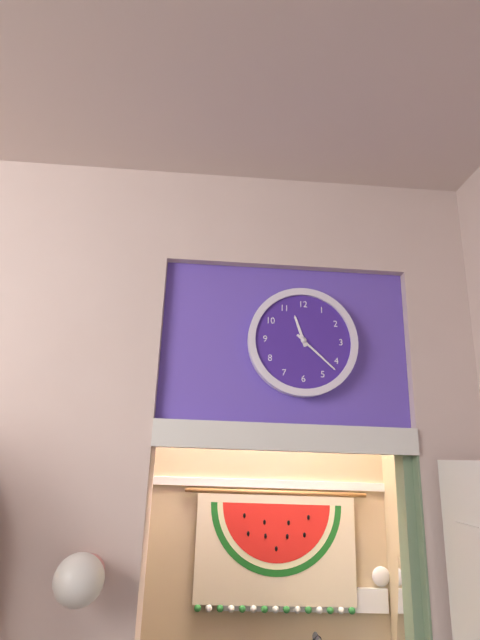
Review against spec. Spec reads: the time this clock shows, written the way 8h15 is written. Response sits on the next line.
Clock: 11h22
